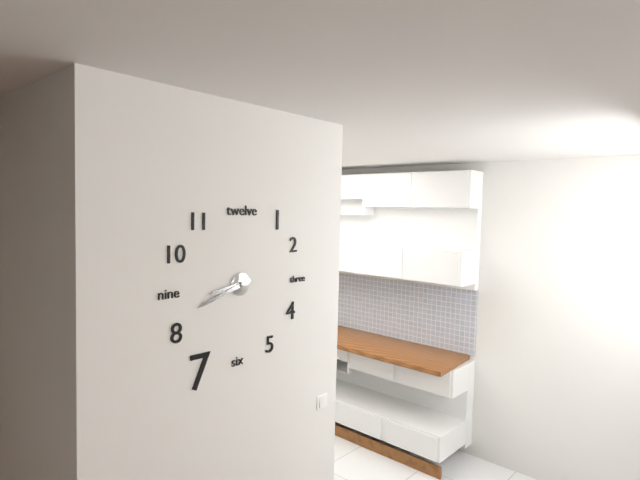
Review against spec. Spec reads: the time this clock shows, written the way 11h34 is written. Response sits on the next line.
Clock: 8h42
